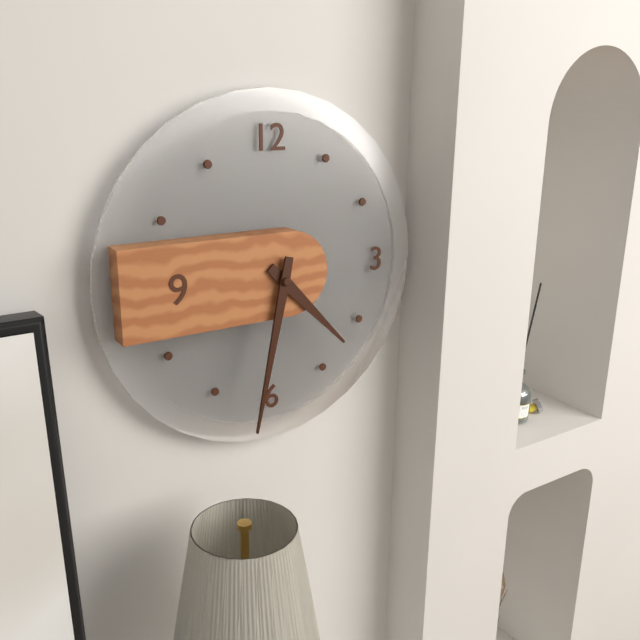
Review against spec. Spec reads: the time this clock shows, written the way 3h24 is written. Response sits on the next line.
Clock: 4h32
